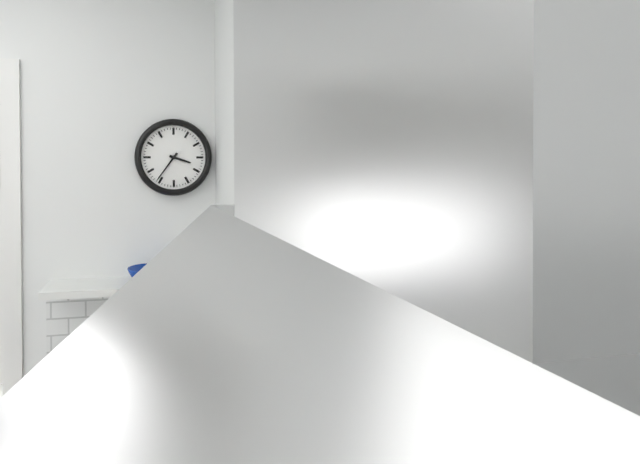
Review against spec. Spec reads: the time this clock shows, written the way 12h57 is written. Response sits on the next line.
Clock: 3h36
